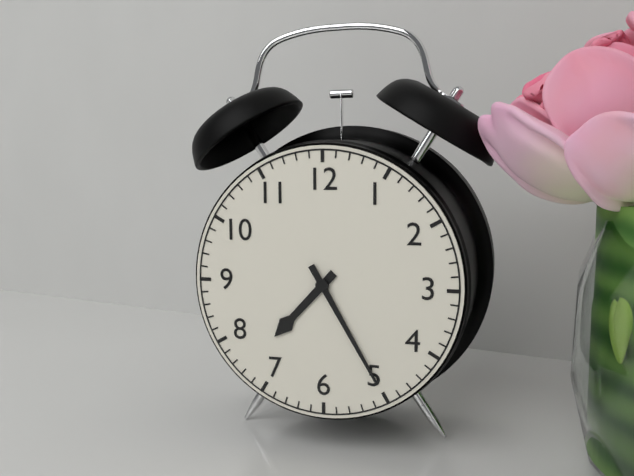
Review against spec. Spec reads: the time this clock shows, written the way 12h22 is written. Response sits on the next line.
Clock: 7h25
